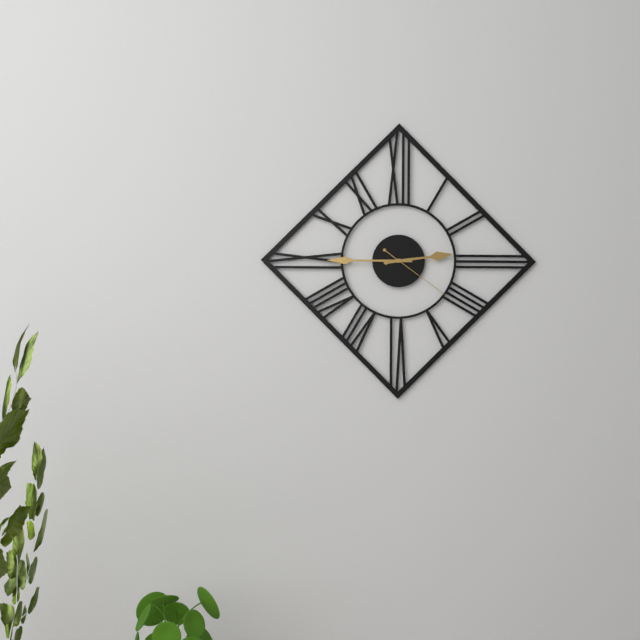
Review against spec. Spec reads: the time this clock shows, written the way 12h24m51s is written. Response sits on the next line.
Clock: 2h45m21s
